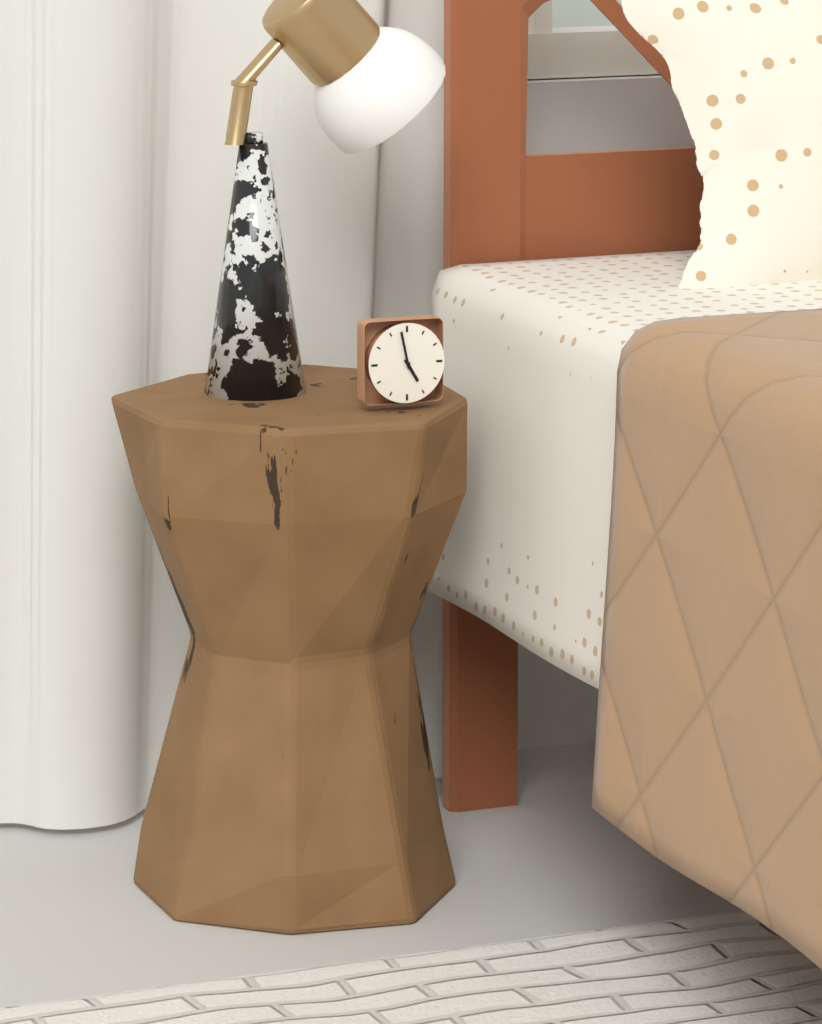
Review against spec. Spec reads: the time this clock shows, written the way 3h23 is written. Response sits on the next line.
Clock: 4h58
